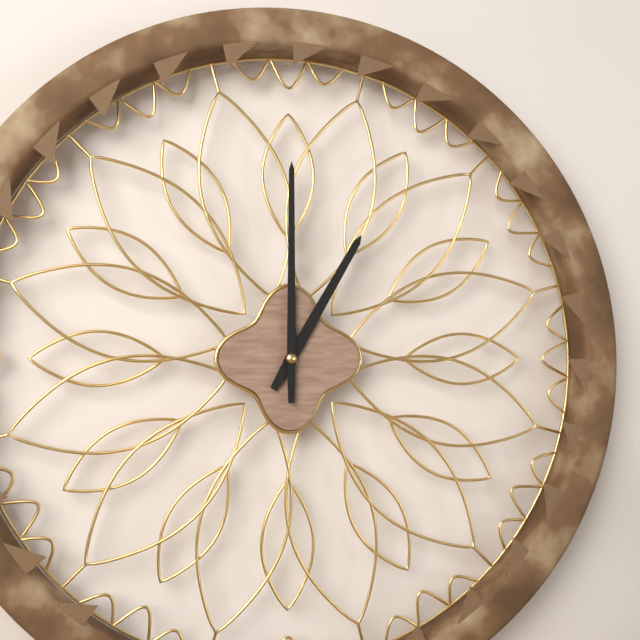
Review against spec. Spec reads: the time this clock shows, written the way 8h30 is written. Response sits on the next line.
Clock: 1h00
